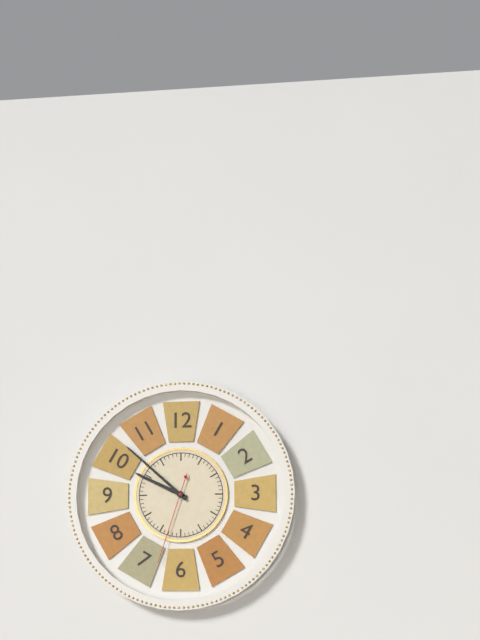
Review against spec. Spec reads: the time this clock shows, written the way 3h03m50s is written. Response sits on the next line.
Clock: 9h52m33s
